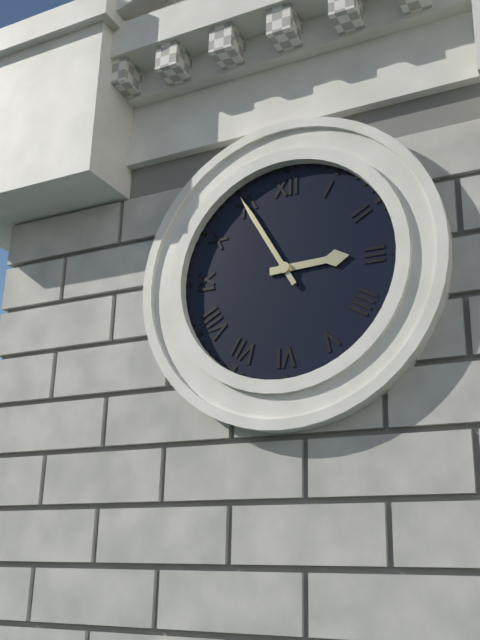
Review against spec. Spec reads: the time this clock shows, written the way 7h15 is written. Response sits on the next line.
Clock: 2h55
